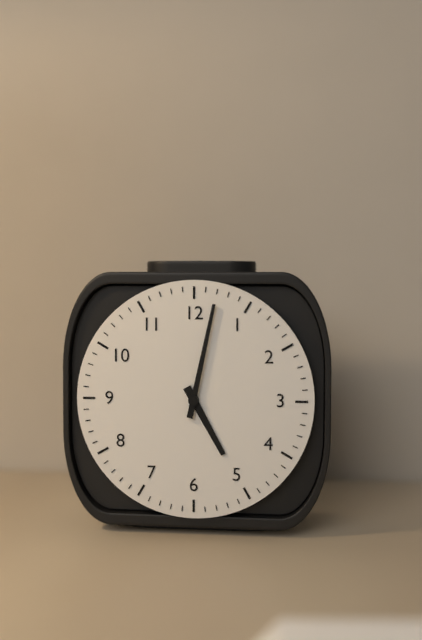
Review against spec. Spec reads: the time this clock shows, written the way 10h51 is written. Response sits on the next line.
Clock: 5h02
